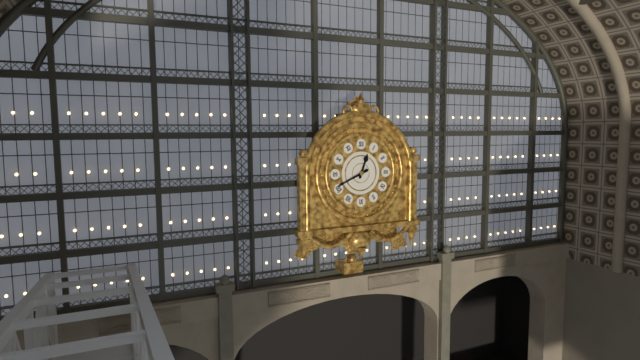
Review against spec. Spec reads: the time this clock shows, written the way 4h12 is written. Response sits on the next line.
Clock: 12h41
